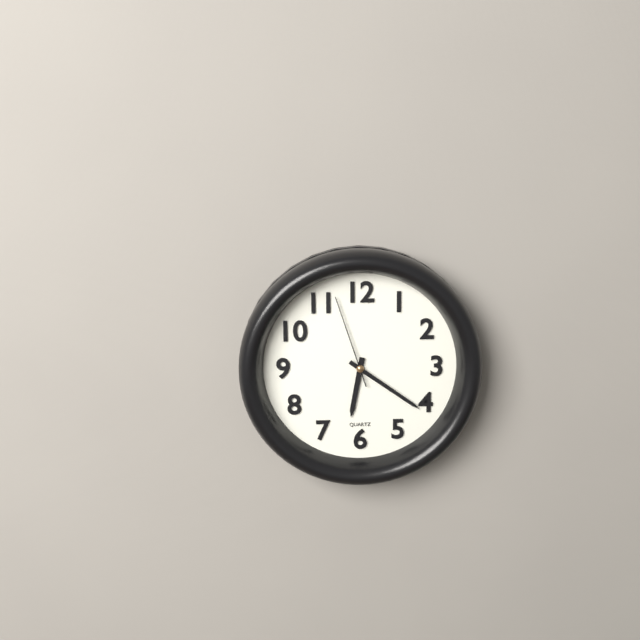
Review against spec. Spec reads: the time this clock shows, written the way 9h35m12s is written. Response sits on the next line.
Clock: 6h21m57s
